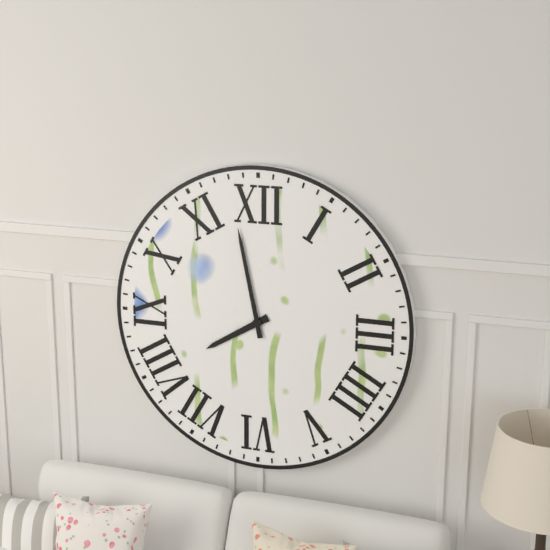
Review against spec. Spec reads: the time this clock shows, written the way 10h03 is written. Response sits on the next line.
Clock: 7h58
